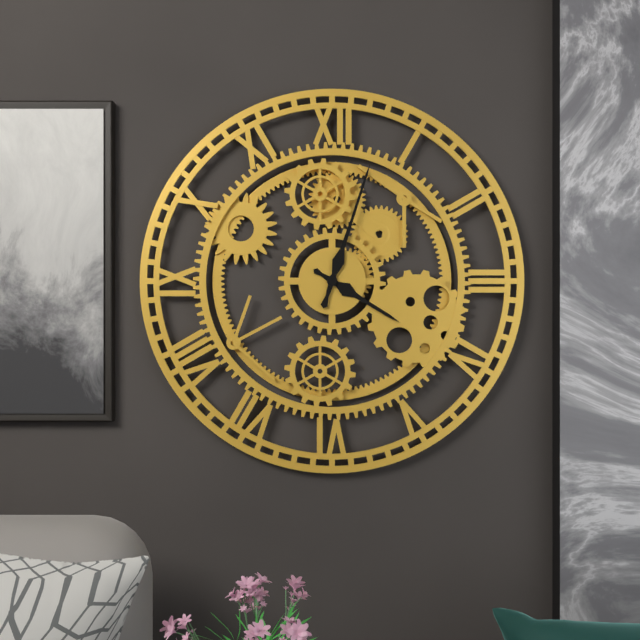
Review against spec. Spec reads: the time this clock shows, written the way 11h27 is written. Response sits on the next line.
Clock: 4h03
